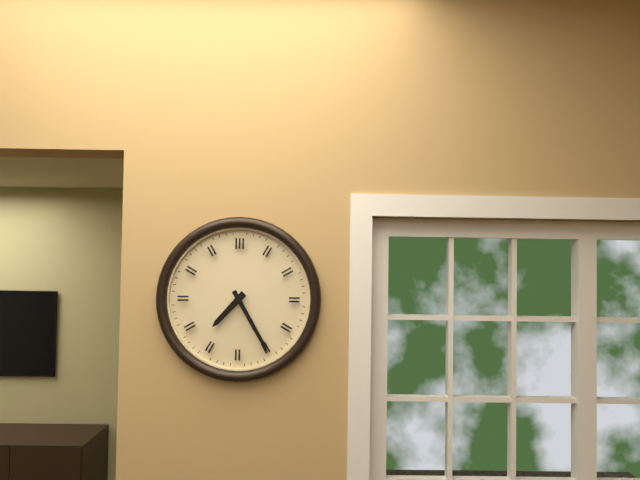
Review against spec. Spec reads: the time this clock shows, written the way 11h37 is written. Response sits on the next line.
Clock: 7h25
